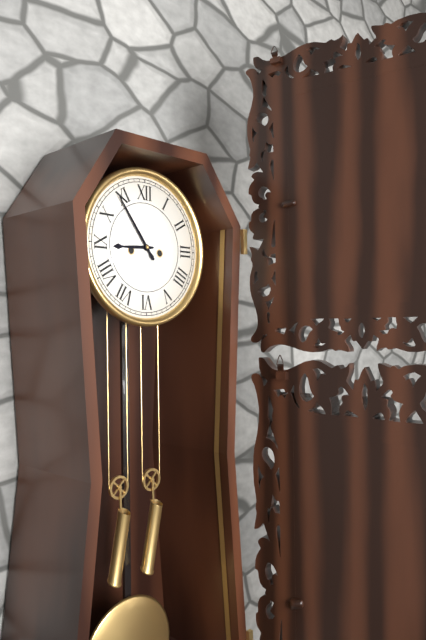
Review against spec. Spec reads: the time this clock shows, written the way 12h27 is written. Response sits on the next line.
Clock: 8h54
